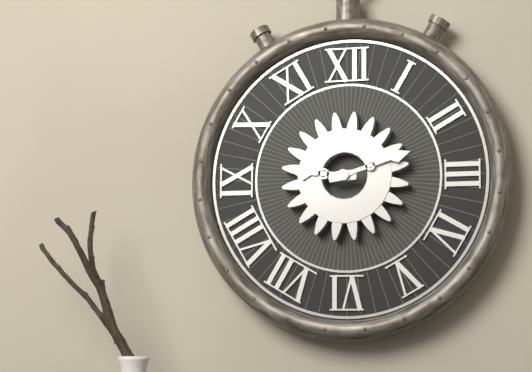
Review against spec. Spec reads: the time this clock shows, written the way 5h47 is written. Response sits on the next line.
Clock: 9h12
